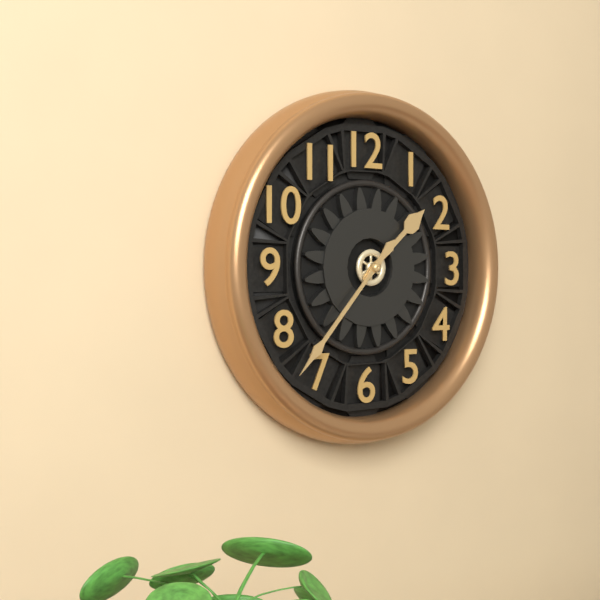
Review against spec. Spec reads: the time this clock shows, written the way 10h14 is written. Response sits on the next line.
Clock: 1h37
